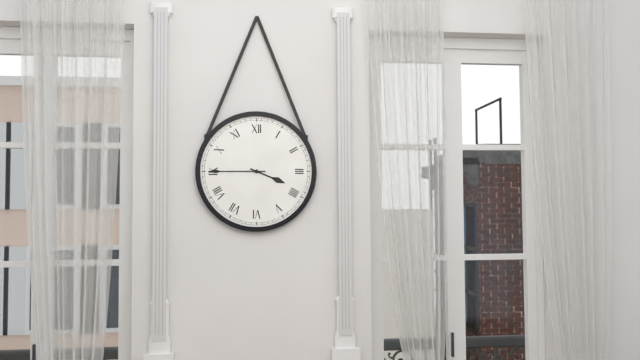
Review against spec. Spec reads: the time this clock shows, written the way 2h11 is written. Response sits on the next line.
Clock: 3h45
